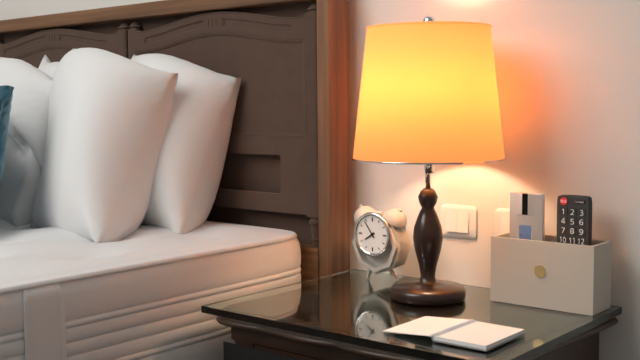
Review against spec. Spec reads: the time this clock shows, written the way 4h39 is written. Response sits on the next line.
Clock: 7h54
